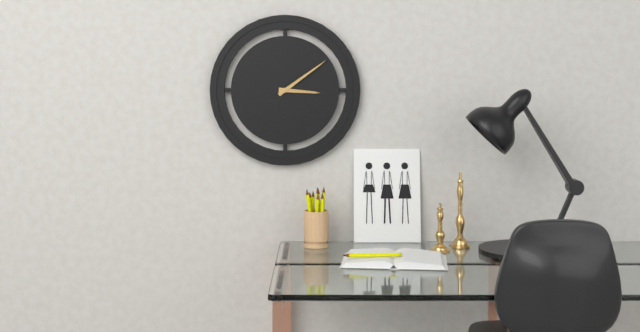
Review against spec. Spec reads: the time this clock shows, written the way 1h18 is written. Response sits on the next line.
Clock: 3h09
